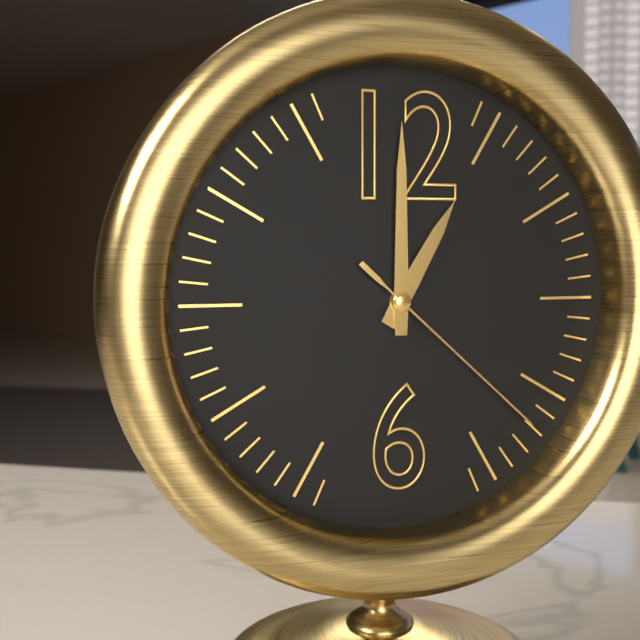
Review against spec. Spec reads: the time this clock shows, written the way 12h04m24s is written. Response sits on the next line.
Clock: 1h00m22s
